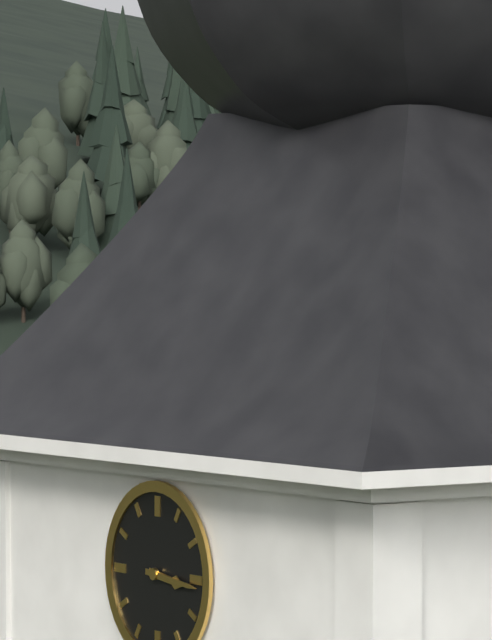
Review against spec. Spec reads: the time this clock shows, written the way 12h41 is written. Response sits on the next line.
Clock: 3h16
